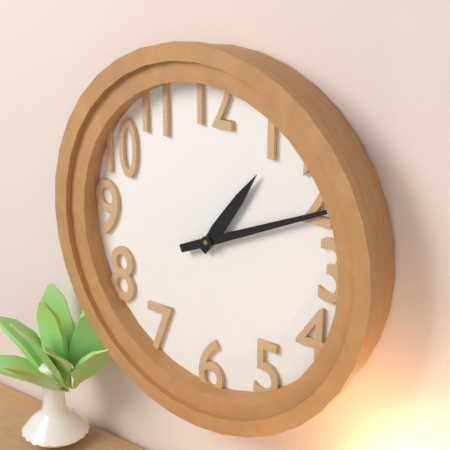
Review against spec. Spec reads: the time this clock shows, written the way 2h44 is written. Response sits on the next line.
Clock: 1h11
